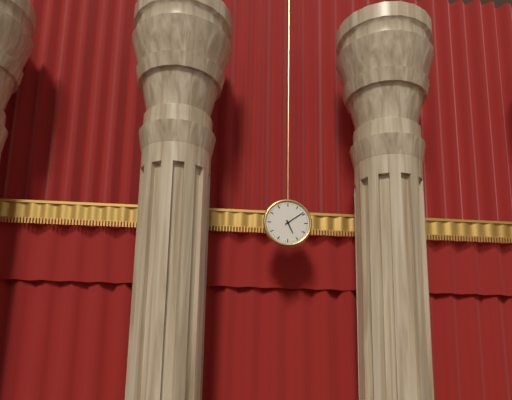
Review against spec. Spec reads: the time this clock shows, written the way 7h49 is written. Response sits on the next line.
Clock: 5h09
